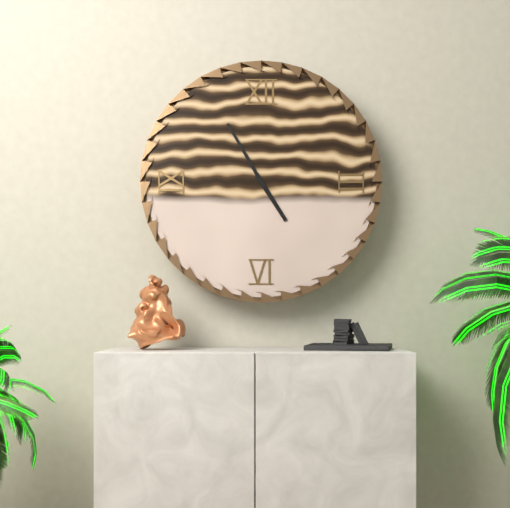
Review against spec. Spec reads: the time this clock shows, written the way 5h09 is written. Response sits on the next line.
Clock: 4h55
